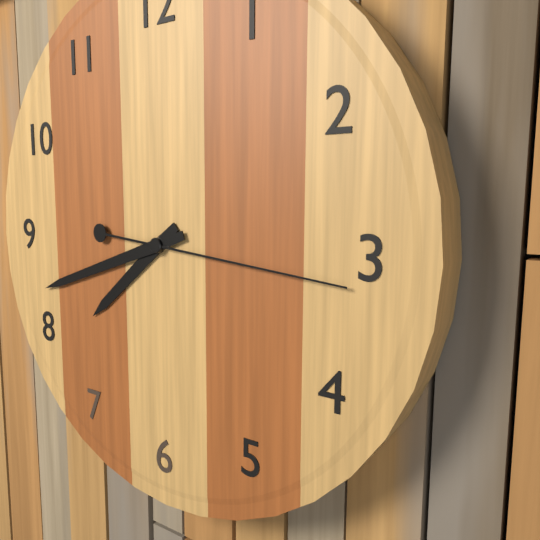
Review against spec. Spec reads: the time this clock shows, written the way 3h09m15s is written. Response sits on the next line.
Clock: 7h42m16s
